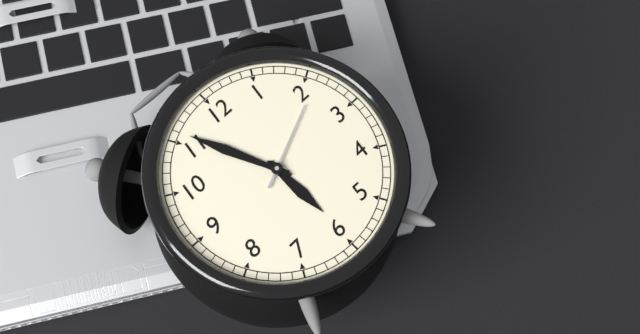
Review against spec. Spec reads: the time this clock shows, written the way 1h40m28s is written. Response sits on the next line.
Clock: 5h56m11s
